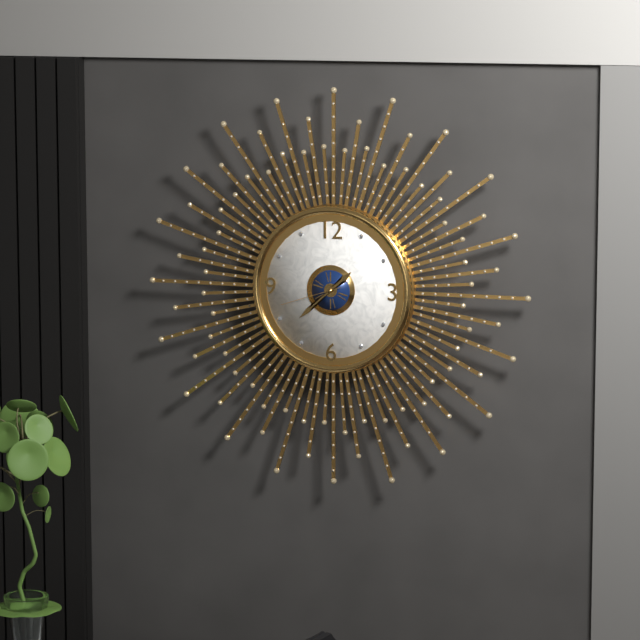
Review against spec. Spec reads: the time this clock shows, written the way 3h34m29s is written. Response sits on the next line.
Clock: 1h38m42s
